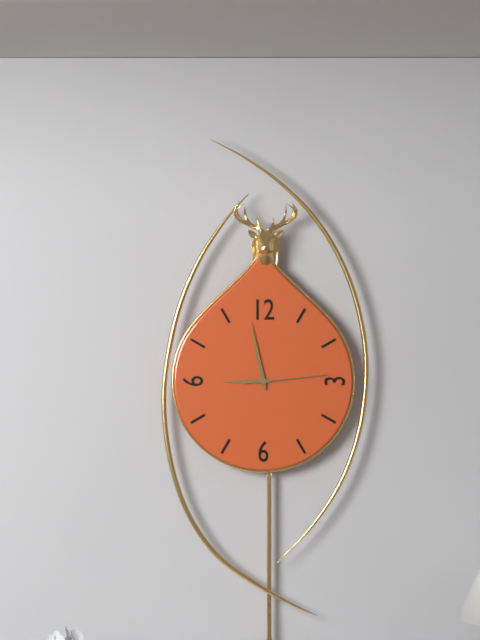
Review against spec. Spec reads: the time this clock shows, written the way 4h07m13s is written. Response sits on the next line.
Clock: 8h58m14s
